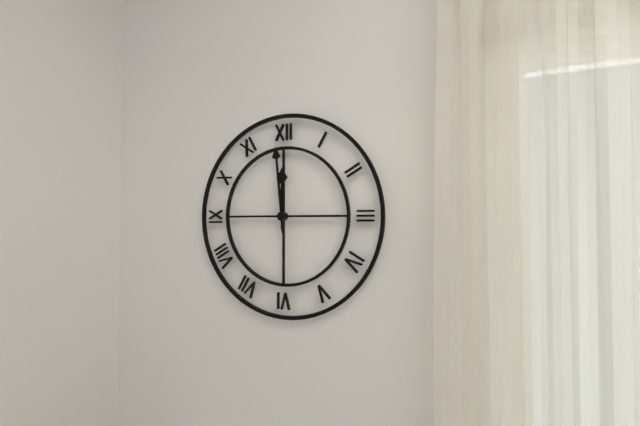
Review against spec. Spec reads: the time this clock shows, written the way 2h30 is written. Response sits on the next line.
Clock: 11h59
